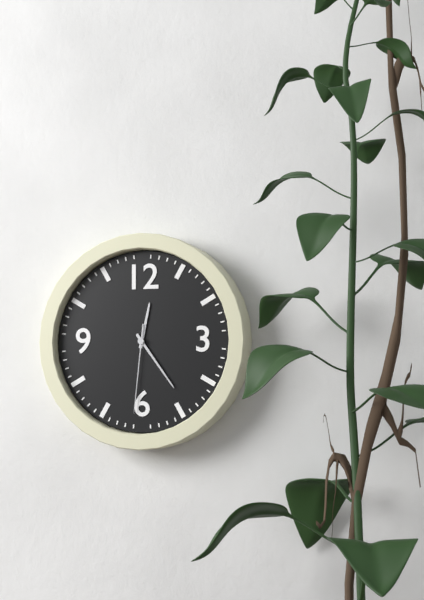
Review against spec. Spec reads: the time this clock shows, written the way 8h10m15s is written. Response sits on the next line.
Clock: 12h24m31s
